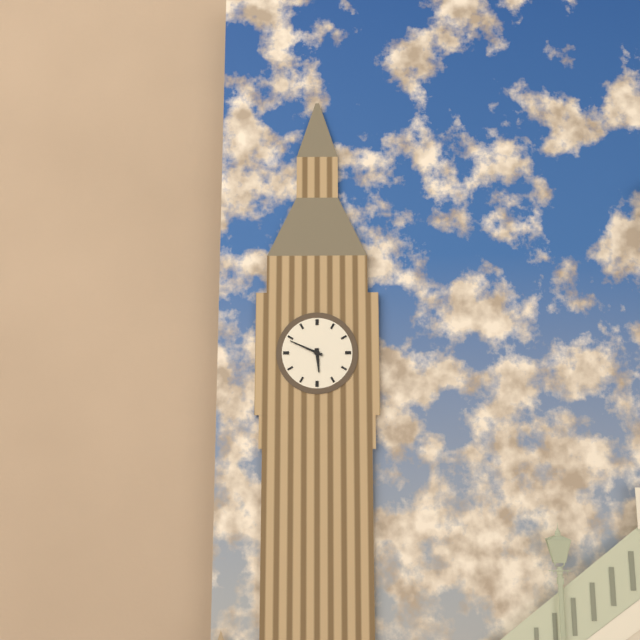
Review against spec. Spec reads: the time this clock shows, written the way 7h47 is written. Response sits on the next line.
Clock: 5h49
